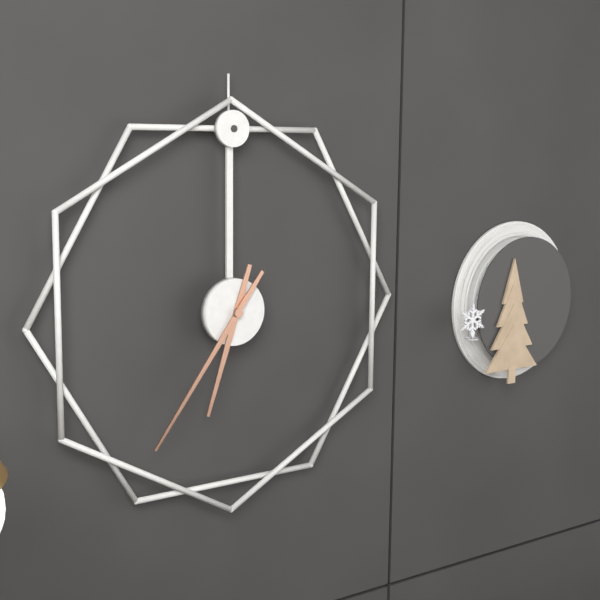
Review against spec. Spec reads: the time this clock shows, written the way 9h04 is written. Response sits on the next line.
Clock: 6h36
